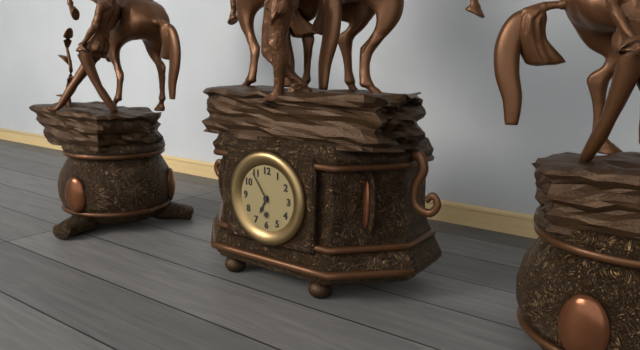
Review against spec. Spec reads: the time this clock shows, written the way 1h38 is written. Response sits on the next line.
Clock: 6h54
